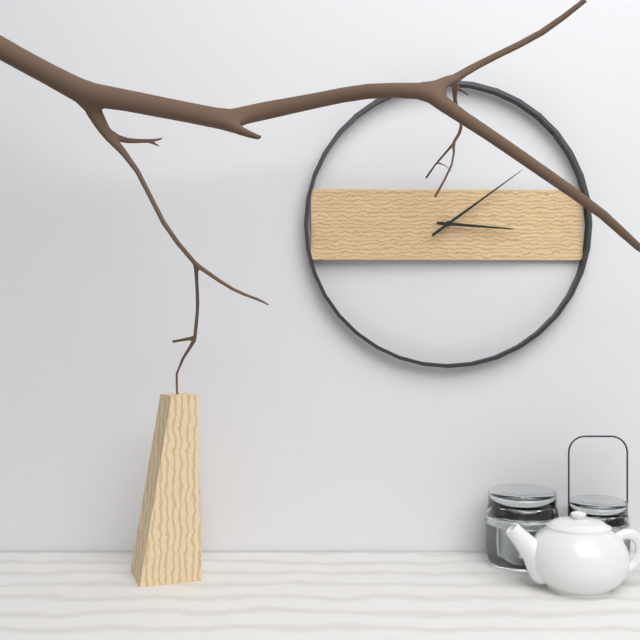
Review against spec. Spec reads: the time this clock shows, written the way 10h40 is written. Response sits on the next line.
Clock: 3h09
